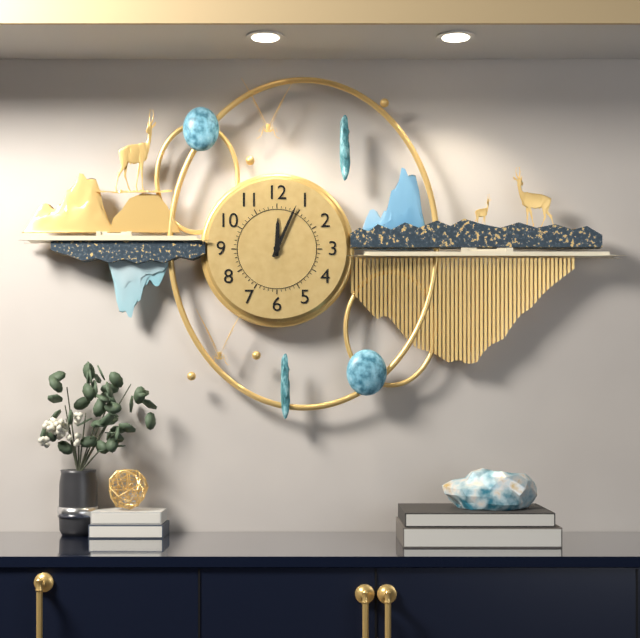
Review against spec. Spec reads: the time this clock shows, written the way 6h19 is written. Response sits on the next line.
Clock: 12h04
